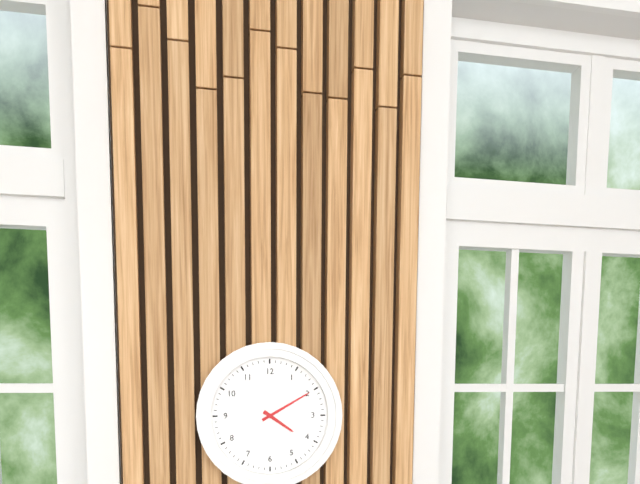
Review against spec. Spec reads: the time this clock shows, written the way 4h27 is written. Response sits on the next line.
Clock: 4h10
